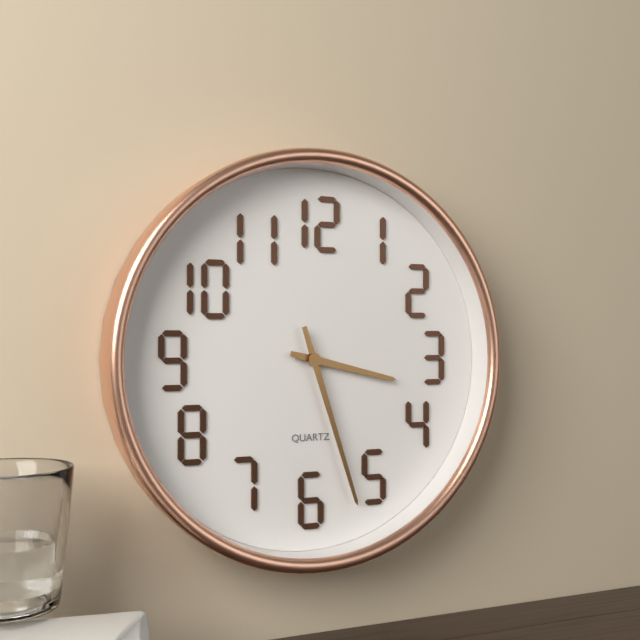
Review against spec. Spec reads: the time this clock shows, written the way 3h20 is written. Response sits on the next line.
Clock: 3h27
